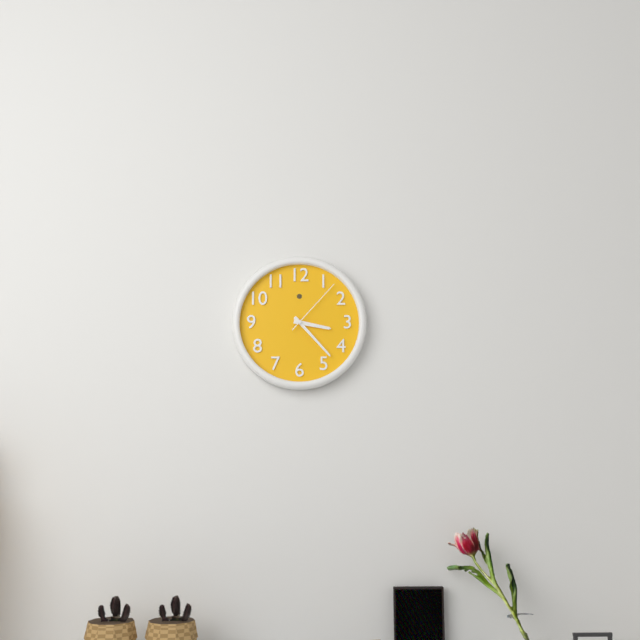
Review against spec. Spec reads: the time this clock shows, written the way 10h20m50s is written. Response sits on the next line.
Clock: 3h23m07s
